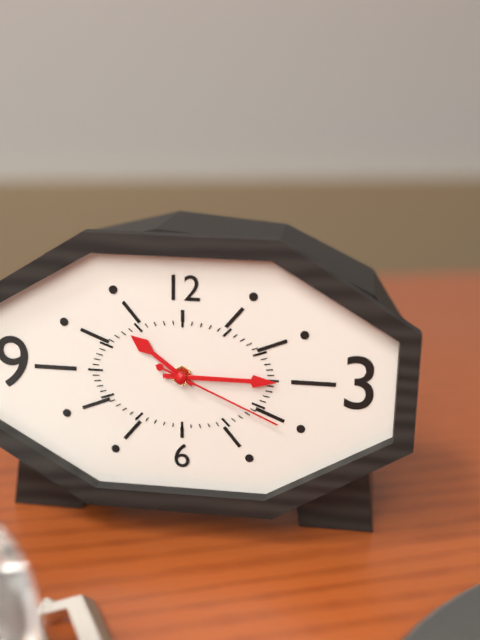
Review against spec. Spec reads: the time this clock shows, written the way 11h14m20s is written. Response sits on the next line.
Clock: 10h15m19s
